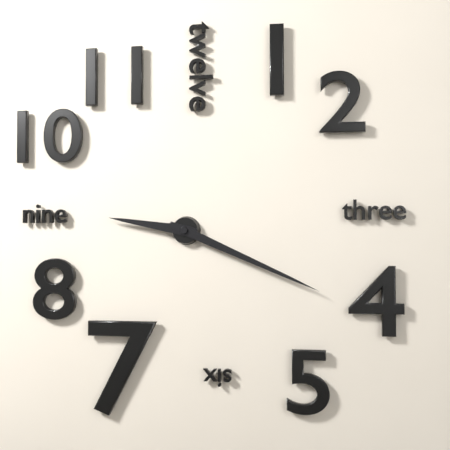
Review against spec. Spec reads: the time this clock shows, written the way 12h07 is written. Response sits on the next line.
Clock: 9h19
